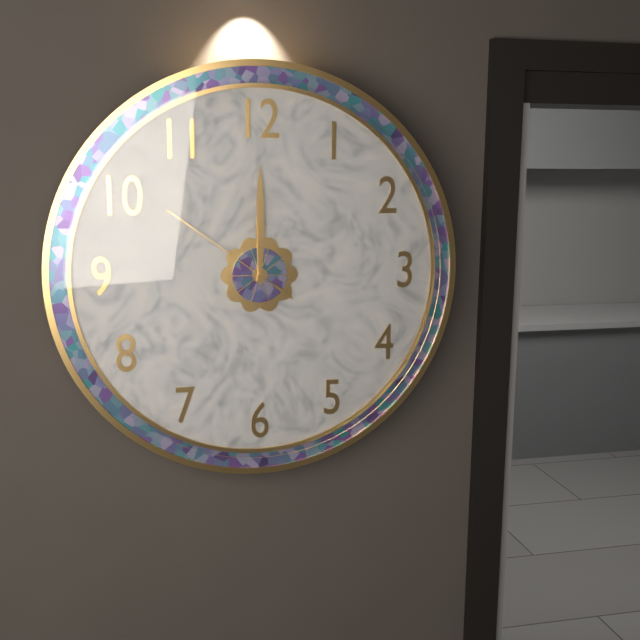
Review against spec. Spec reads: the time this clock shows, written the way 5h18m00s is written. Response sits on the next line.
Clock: 12h00m51s
